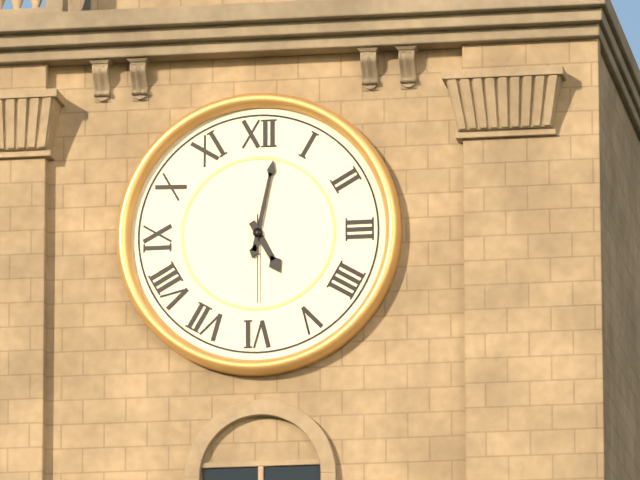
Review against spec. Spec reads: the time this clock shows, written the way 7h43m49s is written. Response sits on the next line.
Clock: 5h02m30s
